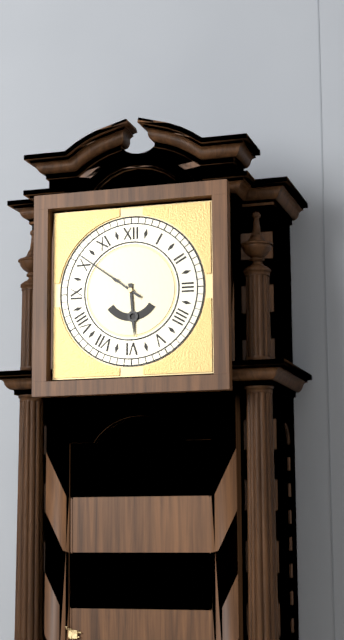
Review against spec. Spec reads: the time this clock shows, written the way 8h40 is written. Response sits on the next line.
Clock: 5h51
